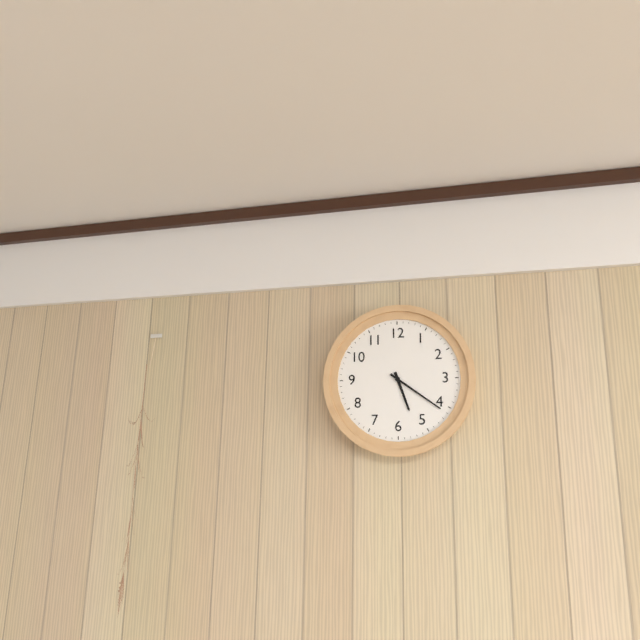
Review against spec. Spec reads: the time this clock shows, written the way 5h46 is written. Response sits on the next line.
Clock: 5h21
